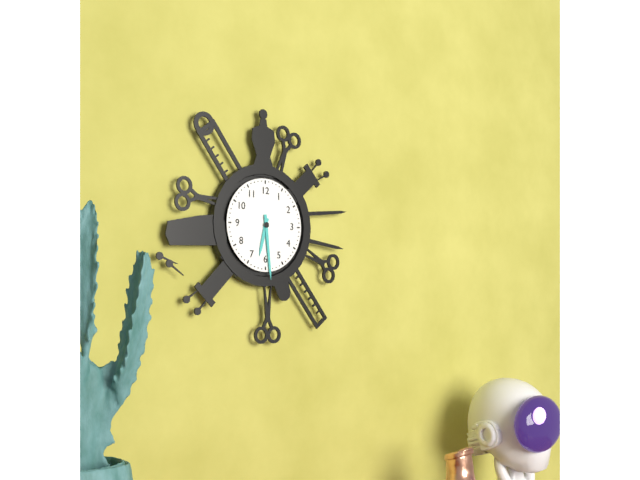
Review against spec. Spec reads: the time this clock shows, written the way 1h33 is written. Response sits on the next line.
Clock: 6h29
